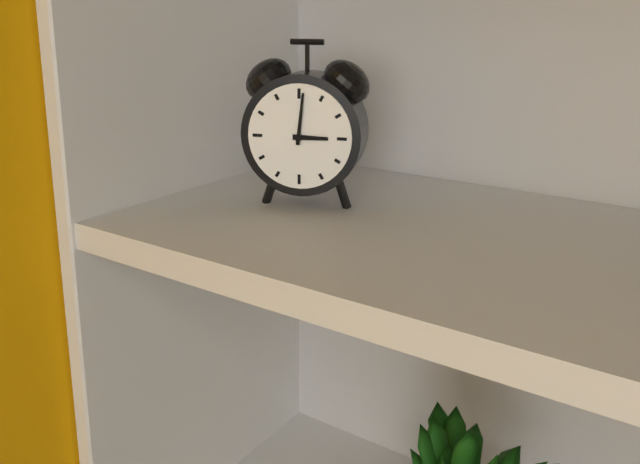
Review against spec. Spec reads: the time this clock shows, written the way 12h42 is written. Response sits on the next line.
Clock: 3h01
